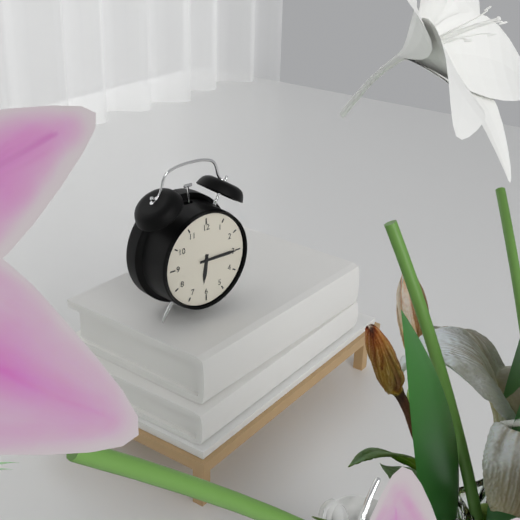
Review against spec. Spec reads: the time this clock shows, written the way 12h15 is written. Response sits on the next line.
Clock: 6h15
